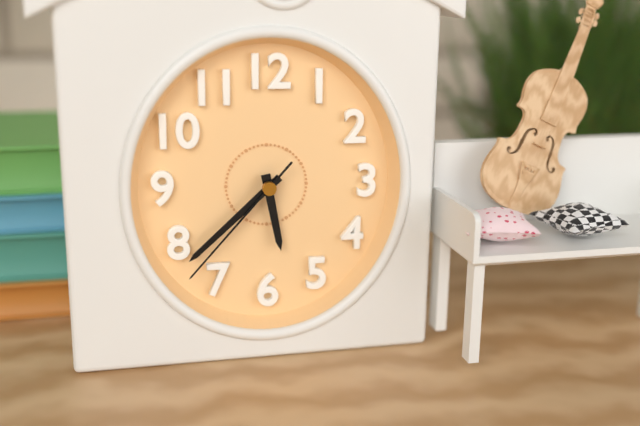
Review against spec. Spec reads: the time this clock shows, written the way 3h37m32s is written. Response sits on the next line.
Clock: 5h38m37s
